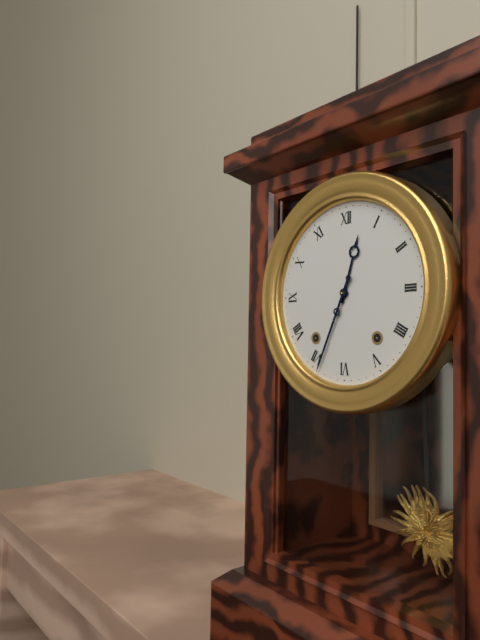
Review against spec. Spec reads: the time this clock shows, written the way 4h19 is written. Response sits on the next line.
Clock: 12h34
